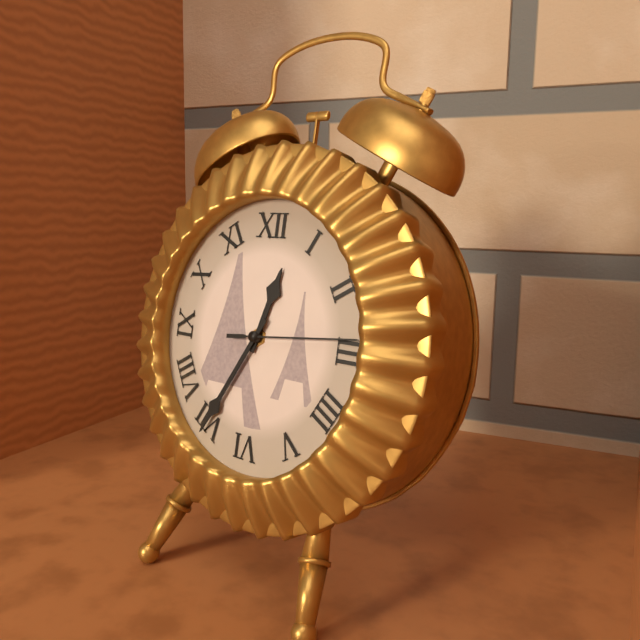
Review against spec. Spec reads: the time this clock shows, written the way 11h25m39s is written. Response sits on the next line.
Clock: 12h35m14s
